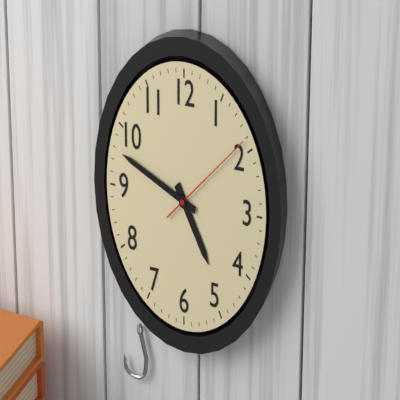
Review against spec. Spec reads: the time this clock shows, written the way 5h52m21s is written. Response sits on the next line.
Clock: 4h48m09s
